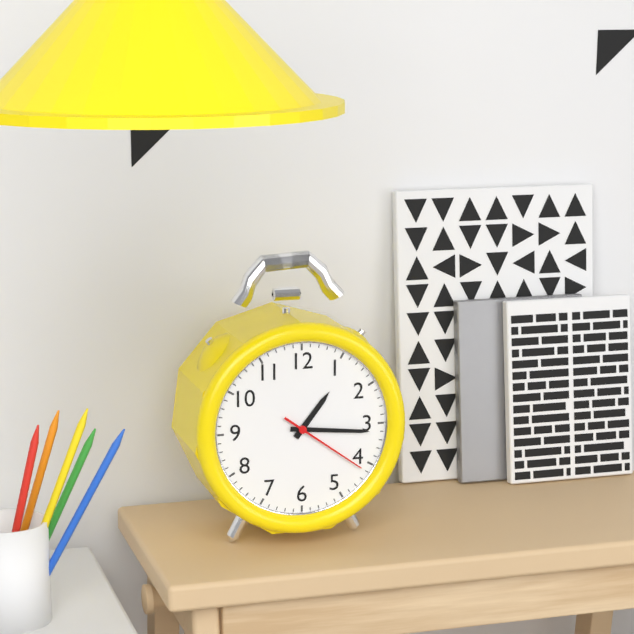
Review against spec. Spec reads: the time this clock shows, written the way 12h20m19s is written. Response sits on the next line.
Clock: 1h16m21s
